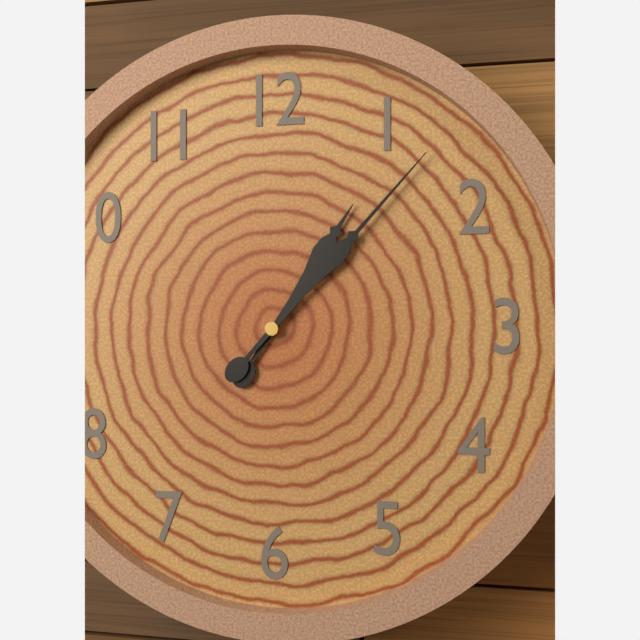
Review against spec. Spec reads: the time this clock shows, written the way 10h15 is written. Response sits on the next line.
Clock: 1h07
